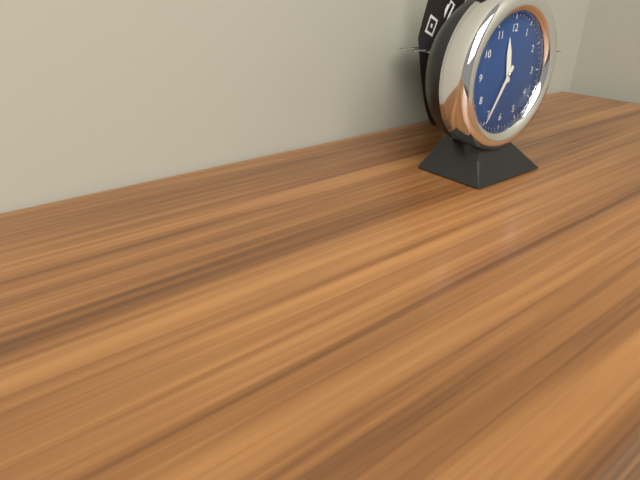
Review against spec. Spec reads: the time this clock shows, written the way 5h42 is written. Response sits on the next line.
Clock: 11h35
